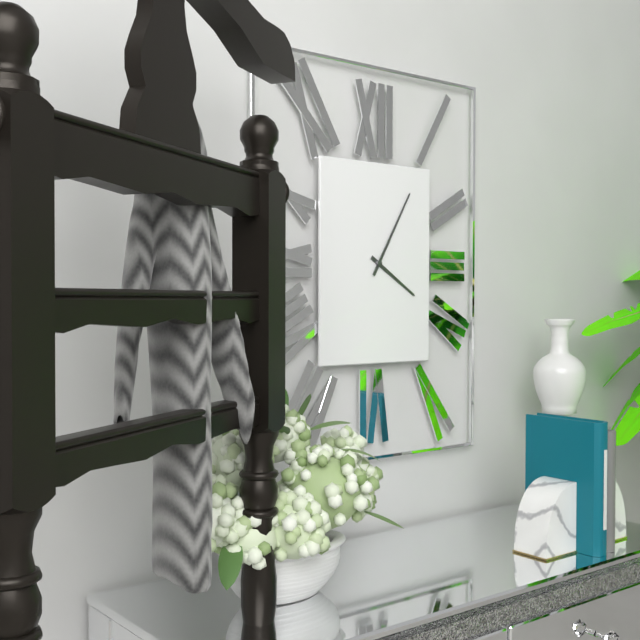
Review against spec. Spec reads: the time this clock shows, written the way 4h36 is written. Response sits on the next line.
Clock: 4h05
